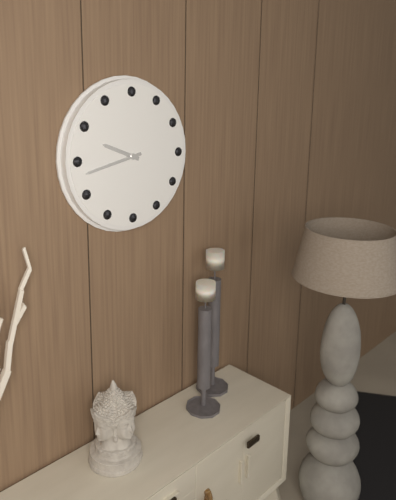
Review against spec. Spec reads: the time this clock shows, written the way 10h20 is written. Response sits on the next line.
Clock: 9h43
